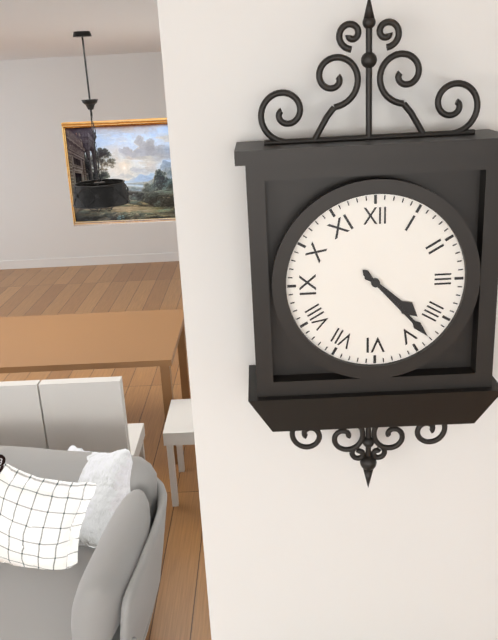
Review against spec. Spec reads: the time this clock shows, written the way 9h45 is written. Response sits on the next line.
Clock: 4h23
